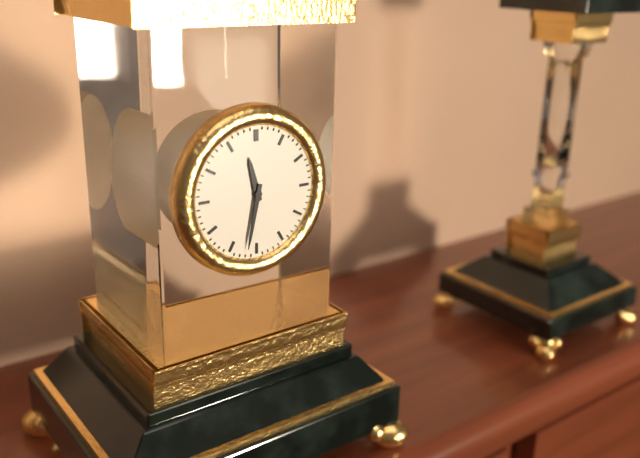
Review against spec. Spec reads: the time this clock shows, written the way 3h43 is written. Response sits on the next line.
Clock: 11h32
